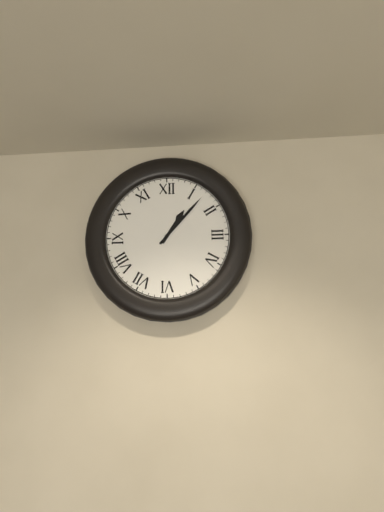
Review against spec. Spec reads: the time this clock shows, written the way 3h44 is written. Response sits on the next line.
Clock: 1h07
